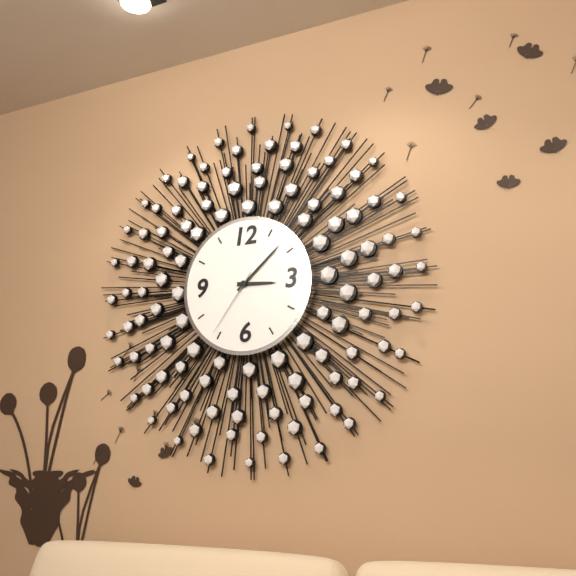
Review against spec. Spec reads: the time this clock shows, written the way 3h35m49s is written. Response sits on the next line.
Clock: 3h08m36s
